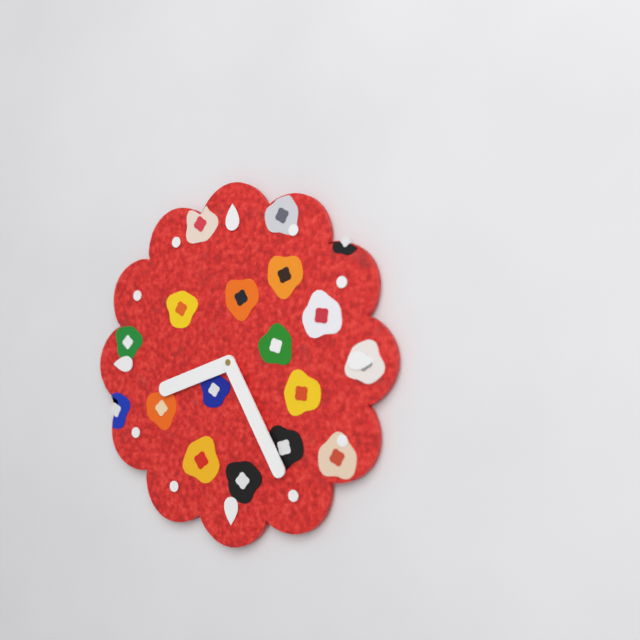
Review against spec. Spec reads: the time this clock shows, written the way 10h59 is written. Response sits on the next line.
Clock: 8h25
